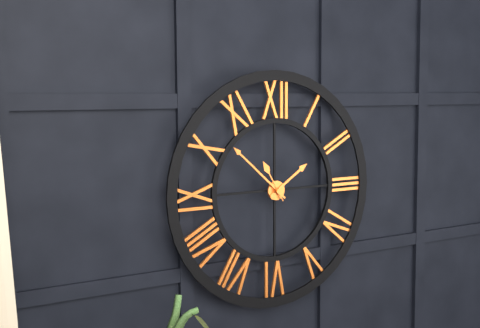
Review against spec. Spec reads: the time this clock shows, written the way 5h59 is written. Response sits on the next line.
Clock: 1h52
